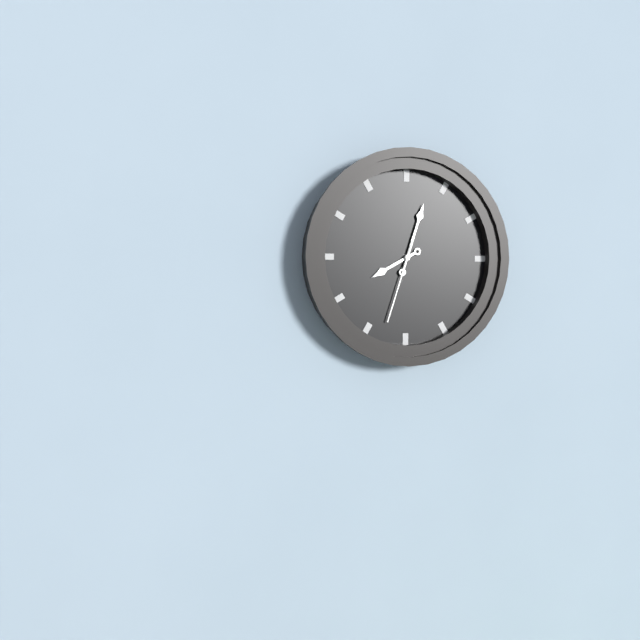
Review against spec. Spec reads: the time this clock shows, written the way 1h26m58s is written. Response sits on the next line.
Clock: 8h03m33s
